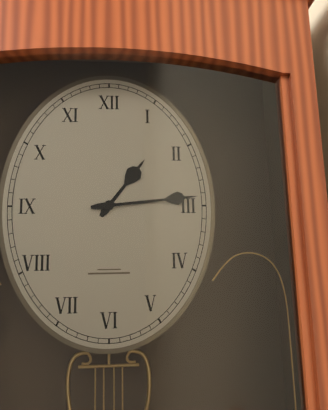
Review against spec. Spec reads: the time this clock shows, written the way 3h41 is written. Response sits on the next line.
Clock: 1h14
